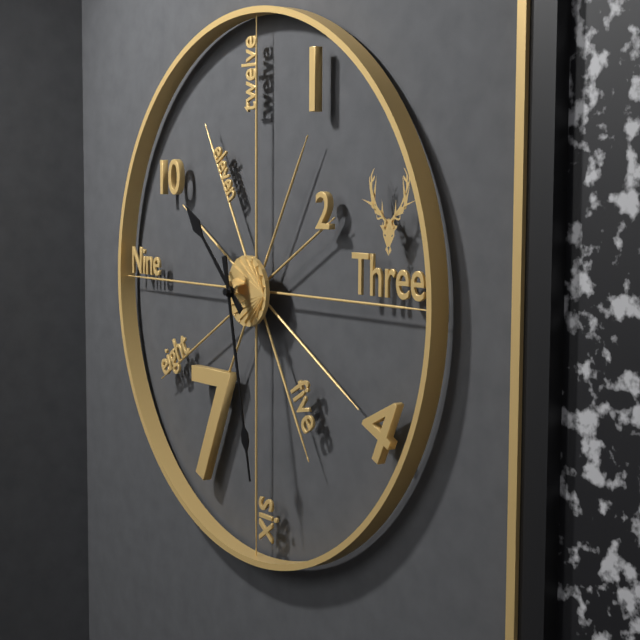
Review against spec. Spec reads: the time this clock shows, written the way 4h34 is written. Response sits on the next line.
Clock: 10h28
